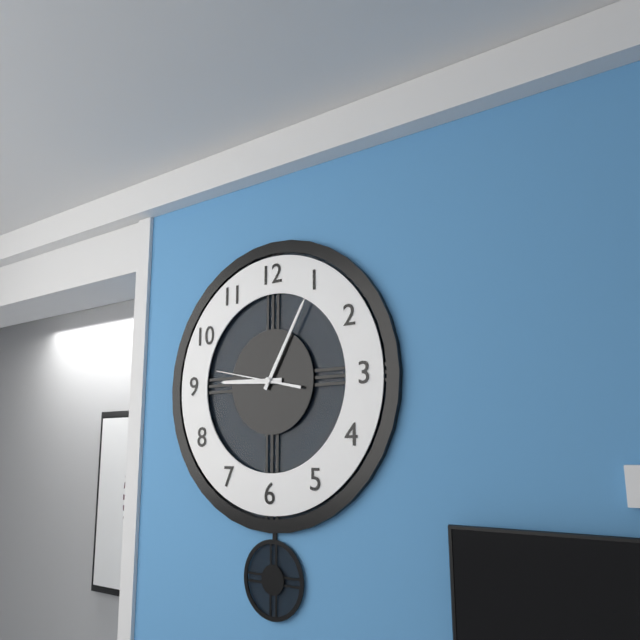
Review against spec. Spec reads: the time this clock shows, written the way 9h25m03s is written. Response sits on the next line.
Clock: 9h05m47s
